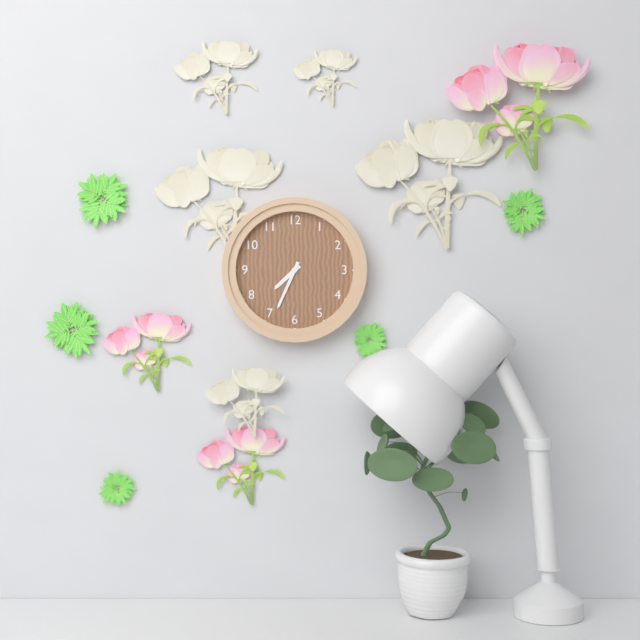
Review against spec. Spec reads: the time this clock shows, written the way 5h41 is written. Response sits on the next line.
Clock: 7h34
